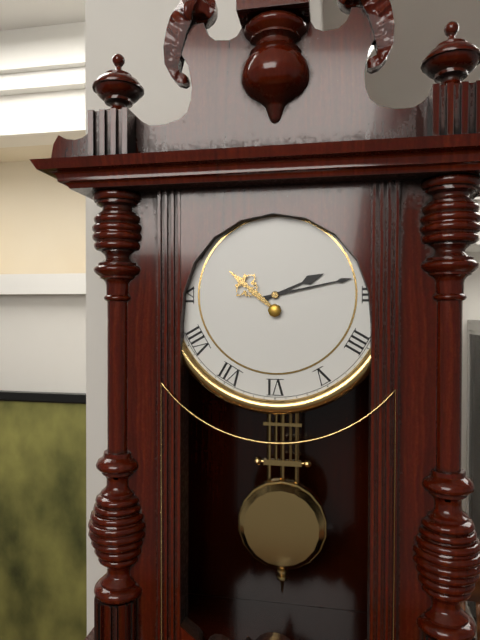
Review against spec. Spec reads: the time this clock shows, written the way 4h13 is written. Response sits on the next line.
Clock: 2h13
